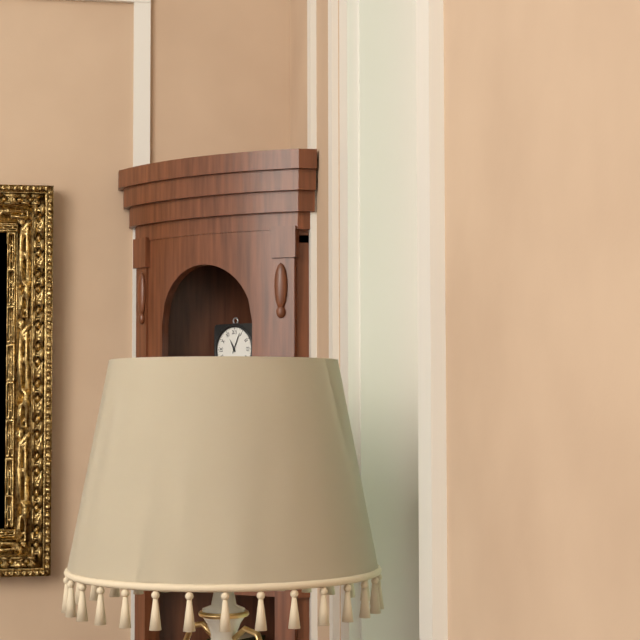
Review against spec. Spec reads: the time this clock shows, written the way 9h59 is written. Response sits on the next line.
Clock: 11h04
